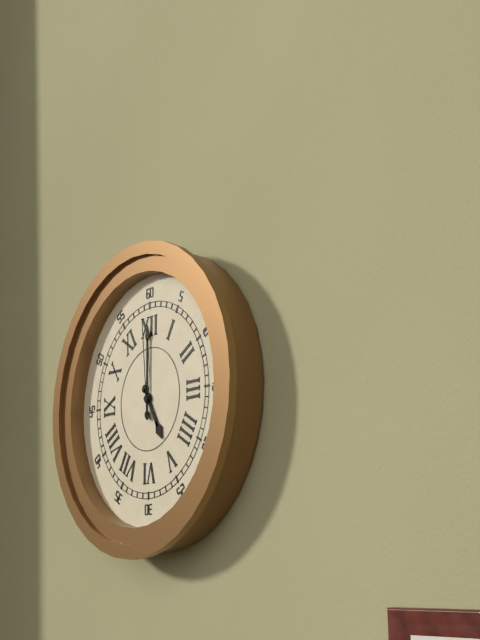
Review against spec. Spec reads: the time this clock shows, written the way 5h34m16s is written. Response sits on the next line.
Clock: 5h00m59s
